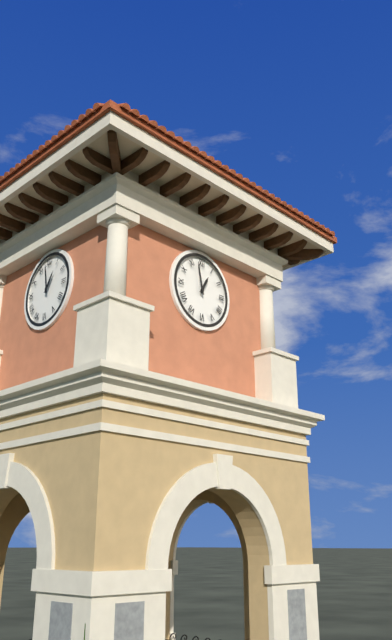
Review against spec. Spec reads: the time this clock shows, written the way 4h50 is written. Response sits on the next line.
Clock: 12h58
